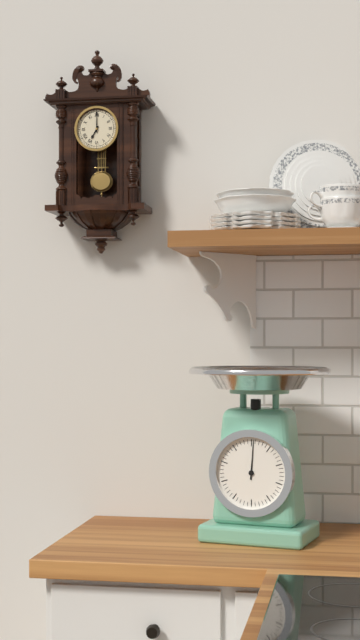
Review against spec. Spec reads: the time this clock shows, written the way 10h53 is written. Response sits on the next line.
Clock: 7h00
